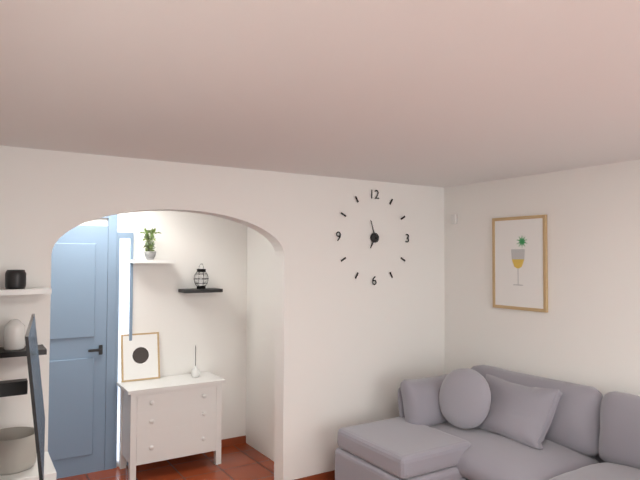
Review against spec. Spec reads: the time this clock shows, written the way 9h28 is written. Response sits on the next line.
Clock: 6h57
